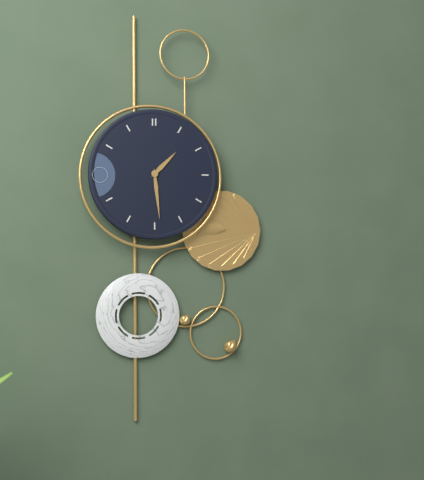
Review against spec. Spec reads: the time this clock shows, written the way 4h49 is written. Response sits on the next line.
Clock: 1h29
